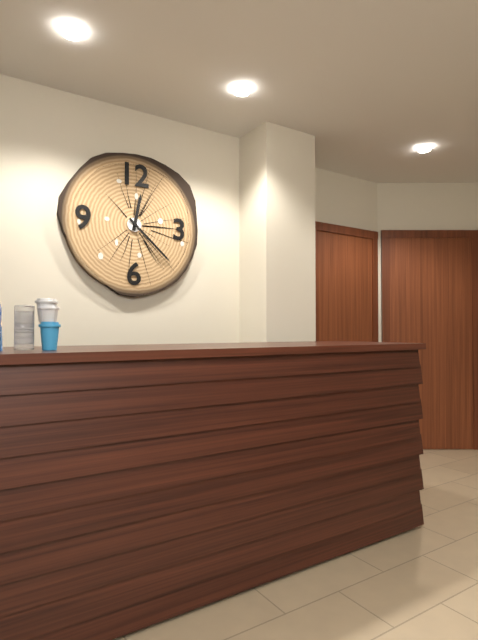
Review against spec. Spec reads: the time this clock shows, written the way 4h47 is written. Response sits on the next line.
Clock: 12h22
